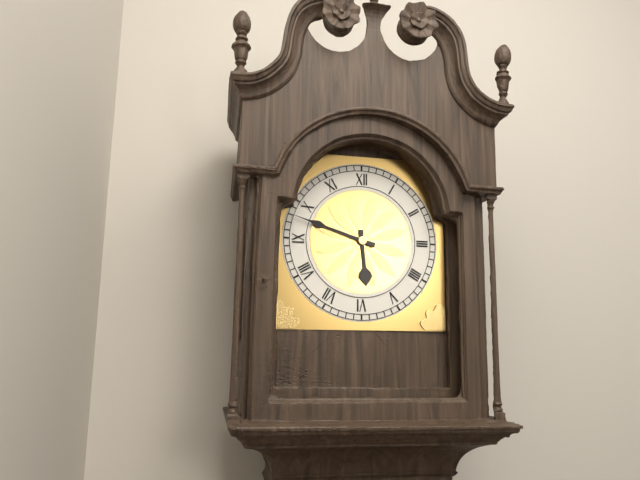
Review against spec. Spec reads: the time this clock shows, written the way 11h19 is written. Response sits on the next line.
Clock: 5h48
